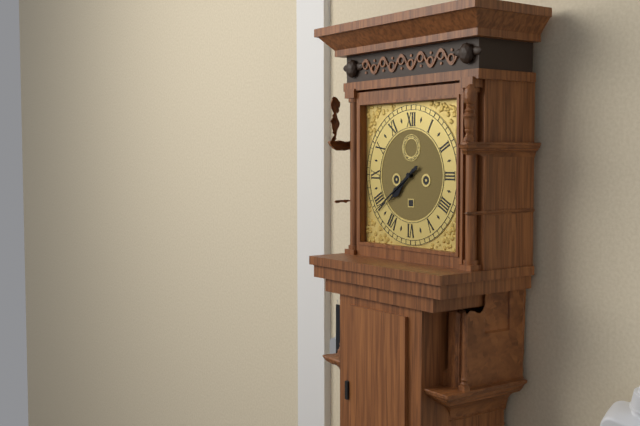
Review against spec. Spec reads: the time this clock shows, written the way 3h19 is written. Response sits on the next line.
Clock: 7h39
